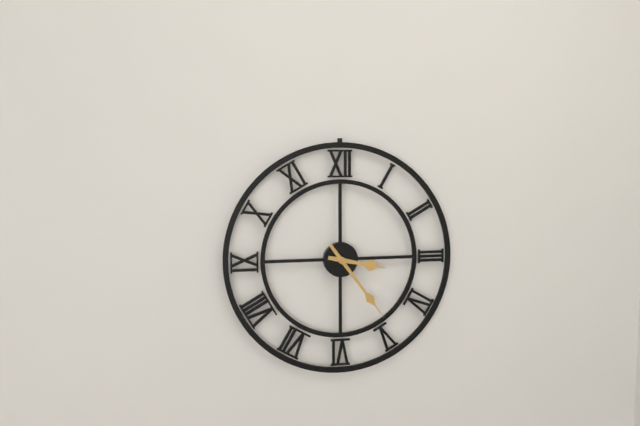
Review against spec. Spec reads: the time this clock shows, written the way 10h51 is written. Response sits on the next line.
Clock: 3h24
